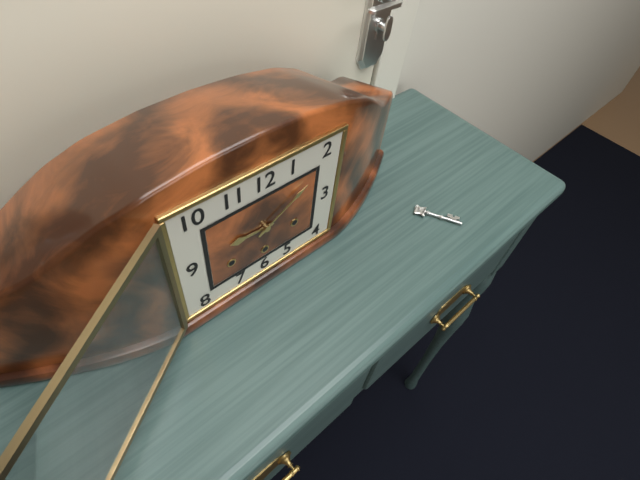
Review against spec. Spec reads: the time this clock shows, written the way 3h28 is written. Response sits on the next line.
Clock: 9h10
